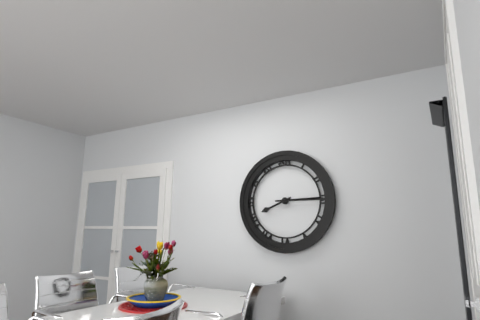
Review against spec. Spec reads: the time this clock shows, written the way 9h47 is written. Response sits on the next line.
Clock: 8h15
